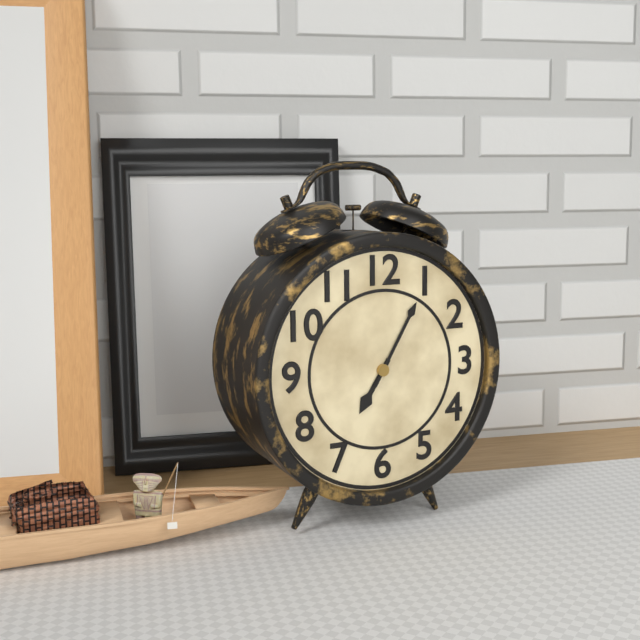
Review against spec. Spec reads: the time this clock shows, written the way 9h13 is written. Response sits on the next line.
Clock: 7h05
